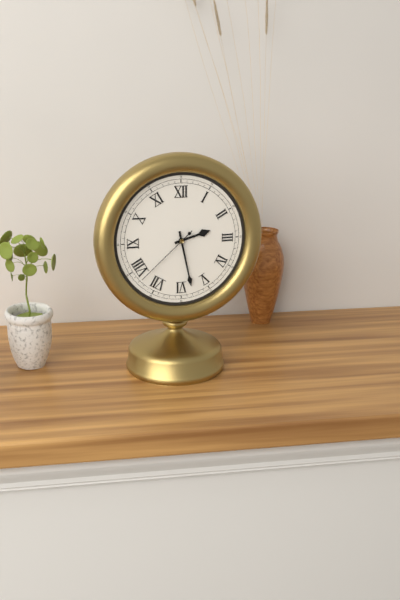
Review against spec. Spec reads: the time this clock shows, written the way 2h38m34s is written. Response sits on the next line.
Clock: 2h28m38s
